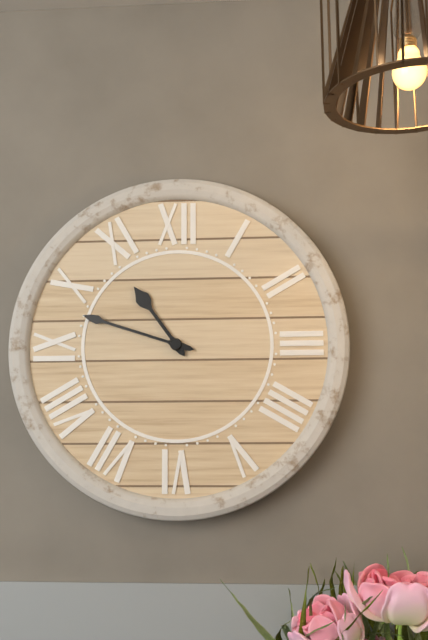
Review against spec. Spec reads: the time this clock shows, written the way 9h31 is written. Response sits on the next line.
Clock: 10h48
